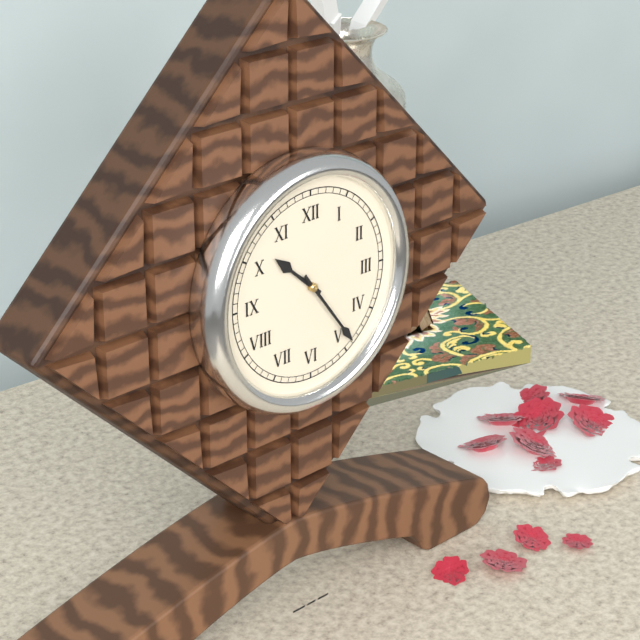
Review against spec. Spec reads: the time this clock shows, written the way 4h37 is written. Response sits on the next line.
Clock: 10h24
